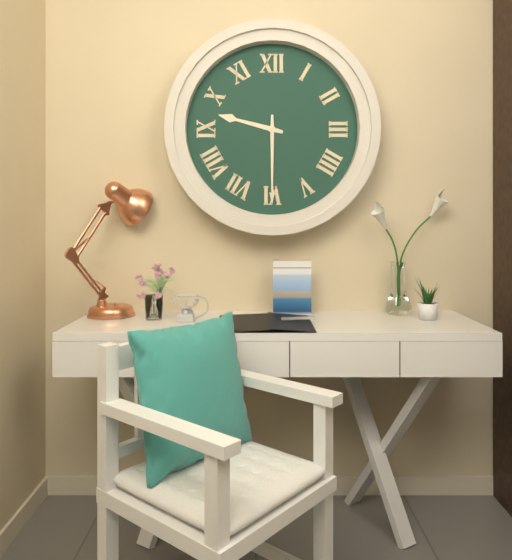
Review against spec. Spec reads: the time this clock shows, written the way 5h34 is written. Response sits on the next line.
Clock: 9h30
